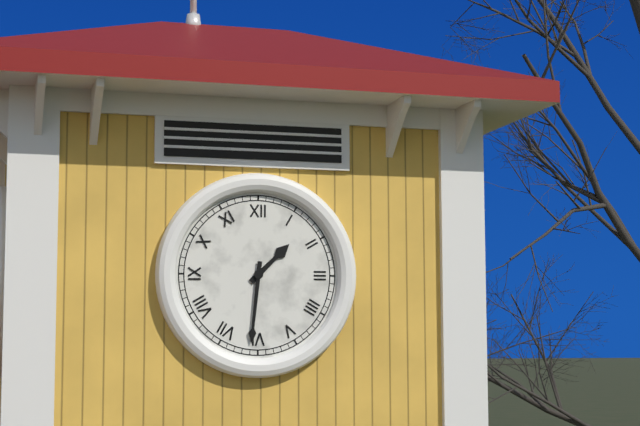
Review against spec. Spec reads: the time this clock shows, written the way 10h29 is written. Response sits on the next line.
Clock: 1h31
